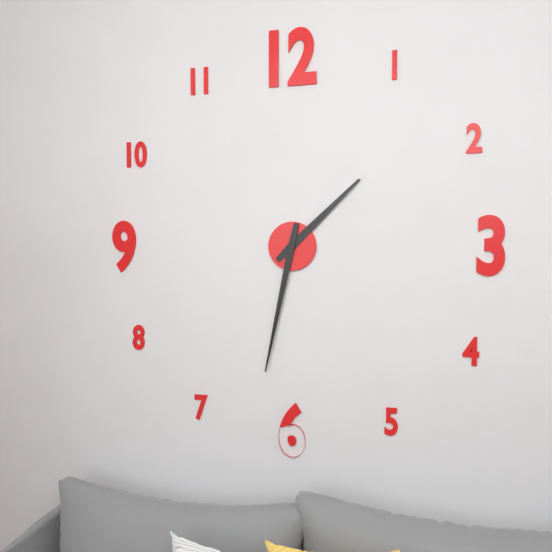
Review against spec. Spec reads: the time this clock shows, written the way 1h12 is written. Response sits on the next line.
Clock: 1h32
